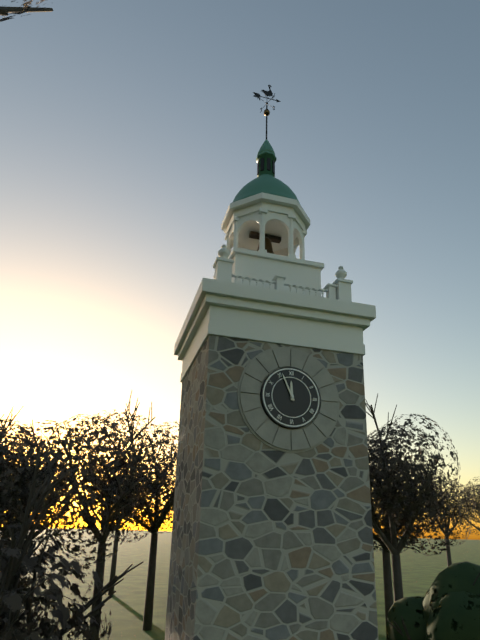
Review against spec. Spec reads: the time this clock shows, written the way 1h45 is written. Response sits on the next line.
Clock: 11h56
